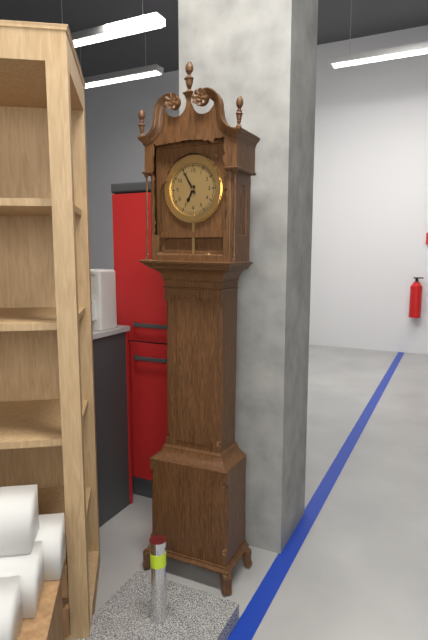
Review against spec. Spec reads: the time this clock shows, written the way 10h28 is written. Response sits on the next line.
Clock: 6h55
